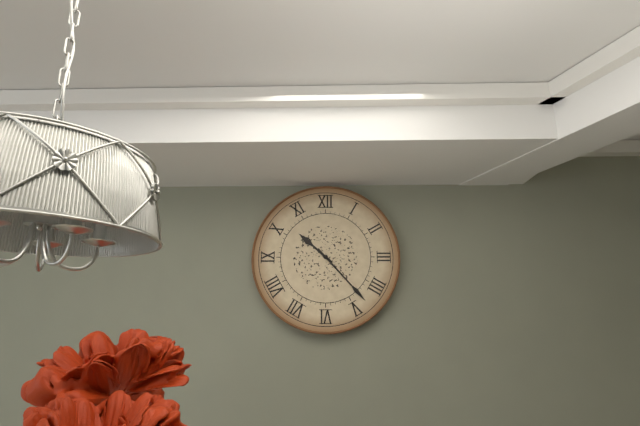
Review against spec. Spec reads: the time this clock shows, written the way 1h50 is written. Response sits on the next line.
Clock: 10h23
